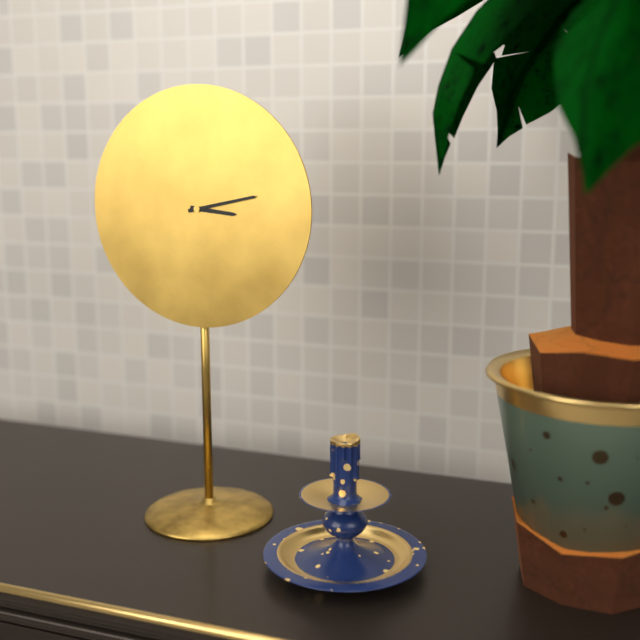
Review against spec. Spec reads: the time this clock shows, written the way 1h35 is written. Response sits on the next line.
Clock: 3h13
